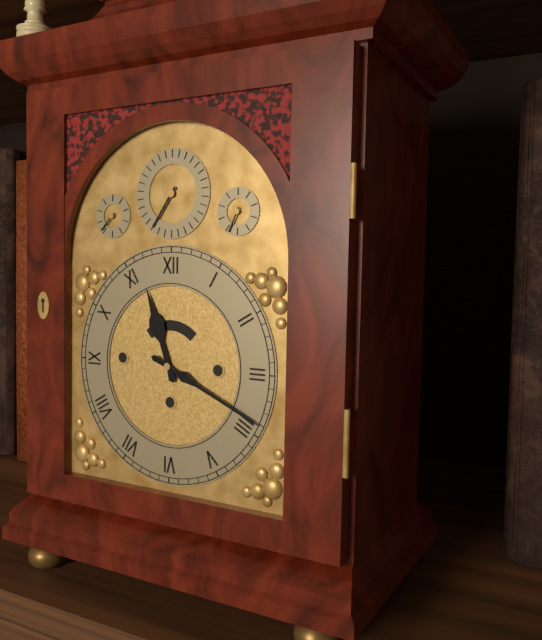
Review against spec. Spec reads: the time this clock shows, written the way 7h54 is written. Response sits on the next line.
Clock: 11h19
